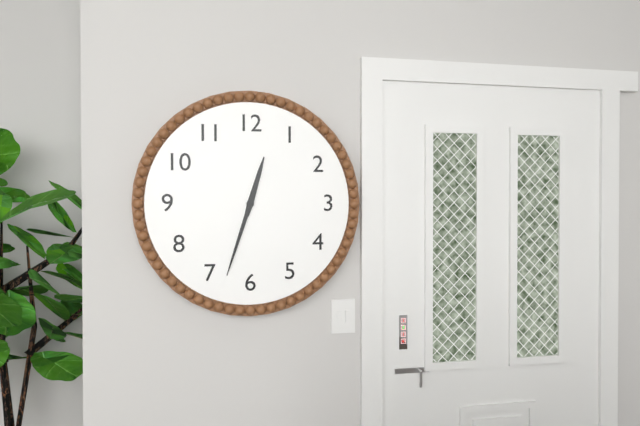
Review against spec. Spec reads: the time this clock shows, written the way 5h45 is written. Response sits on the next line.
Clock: 12h33
